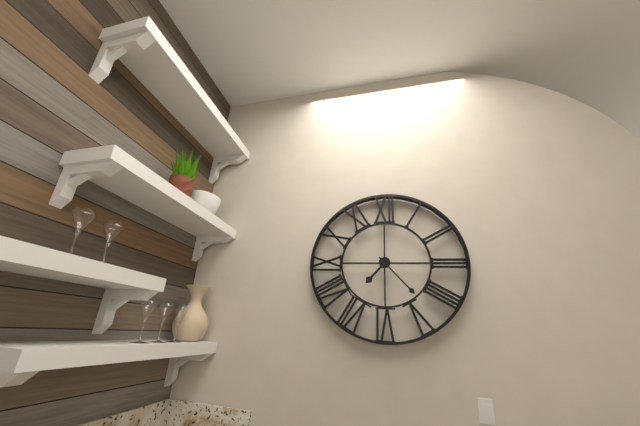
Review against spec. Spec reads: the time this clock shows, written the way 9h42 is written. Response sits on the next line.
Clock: 7h23
